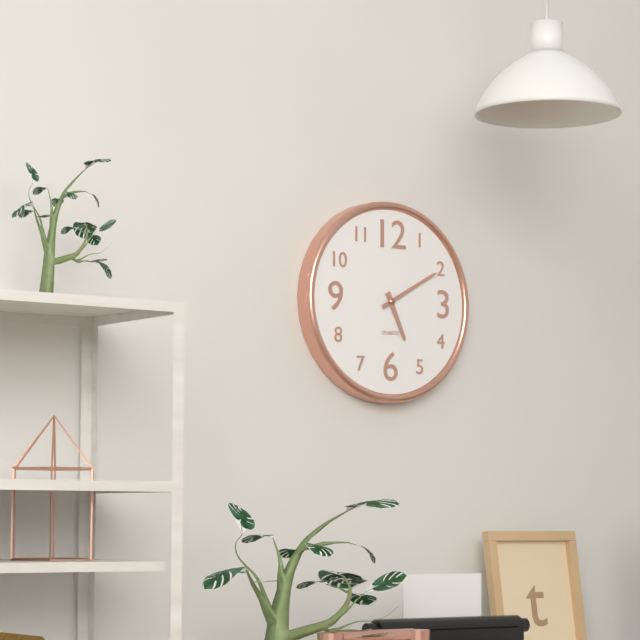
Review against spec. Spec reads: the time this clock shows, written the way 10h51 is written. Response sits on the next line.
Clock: 5h10
